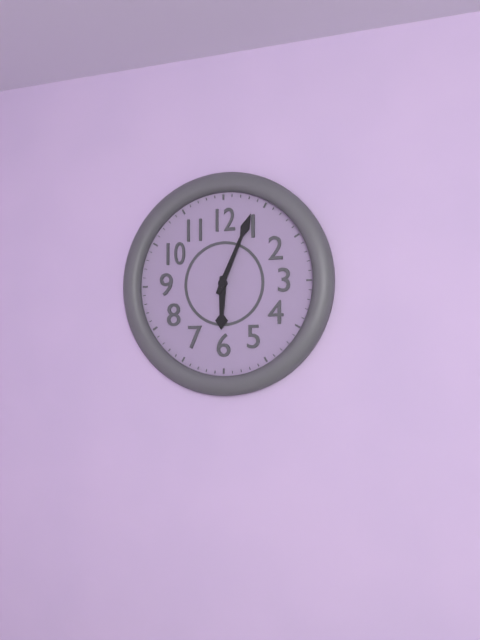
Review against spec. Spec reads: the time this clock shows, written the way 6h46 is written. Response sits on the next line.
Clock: 6h04
